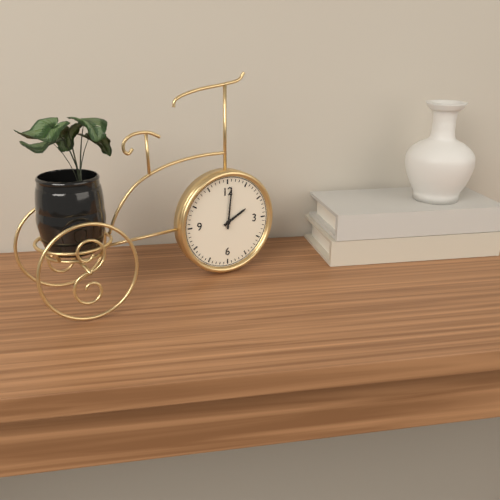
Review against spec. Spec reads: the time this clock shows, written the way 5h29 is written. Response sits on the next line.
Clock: 2h01
